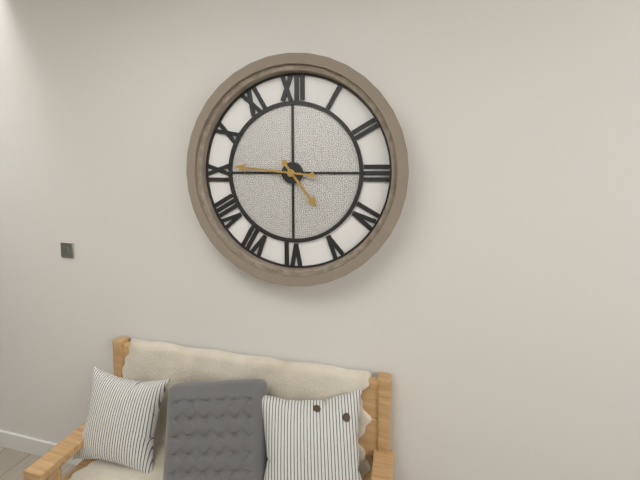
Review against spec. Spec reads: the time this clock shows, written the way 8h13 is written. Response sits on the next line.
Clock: 4h46
